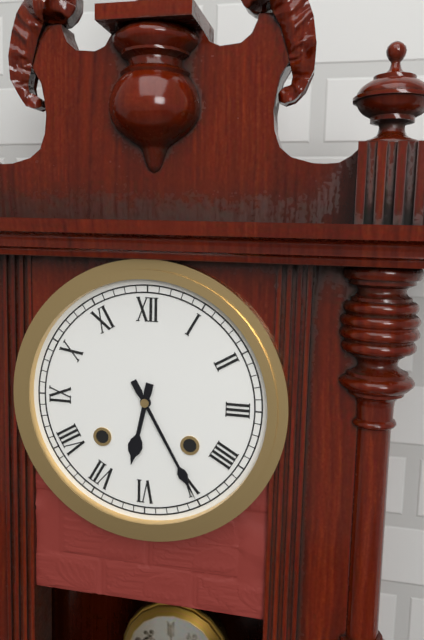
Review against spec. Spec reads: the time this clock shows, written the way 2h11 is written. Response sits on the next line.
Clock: 6h25
